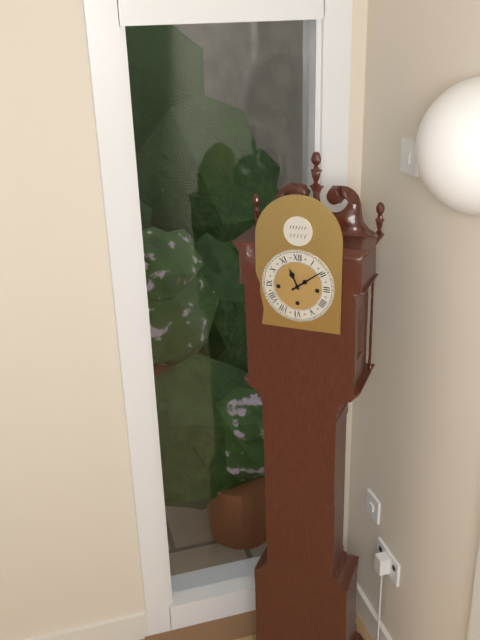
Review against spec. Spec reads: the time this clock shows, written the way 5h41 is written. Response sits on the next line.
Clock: 11h09
